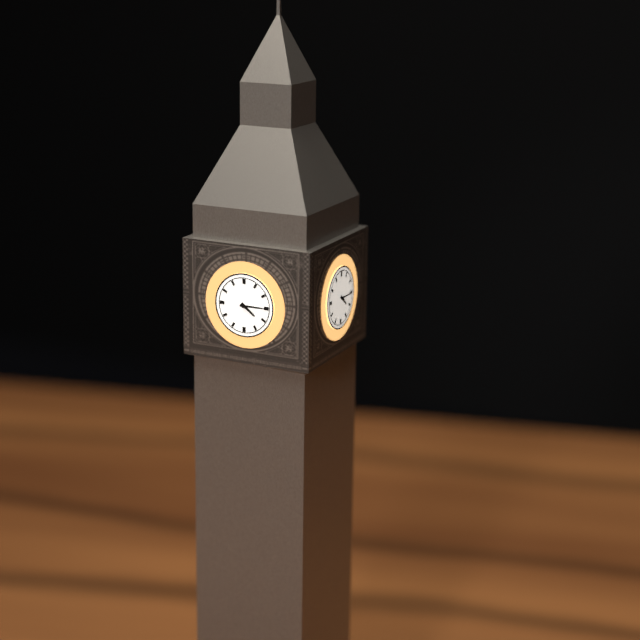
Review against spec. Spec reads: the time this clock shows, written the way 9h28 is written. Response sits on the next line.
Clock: 4h15
